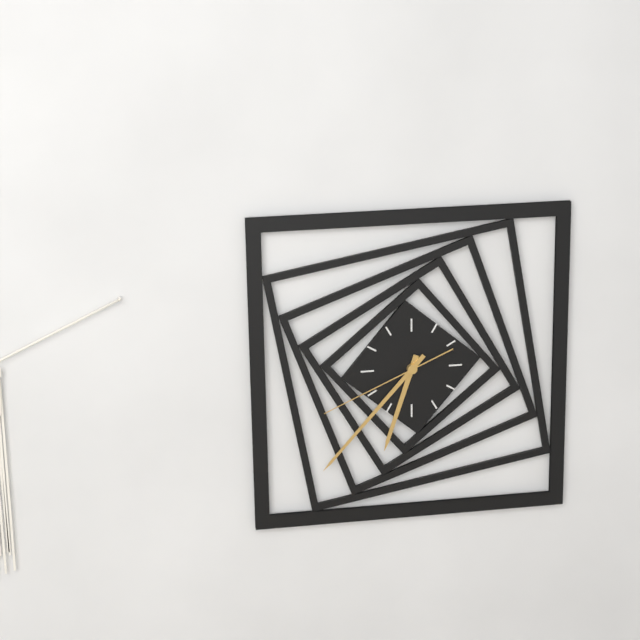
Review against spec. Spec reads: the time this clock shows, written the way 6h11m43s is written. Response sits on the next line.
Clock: 6h37m41s
